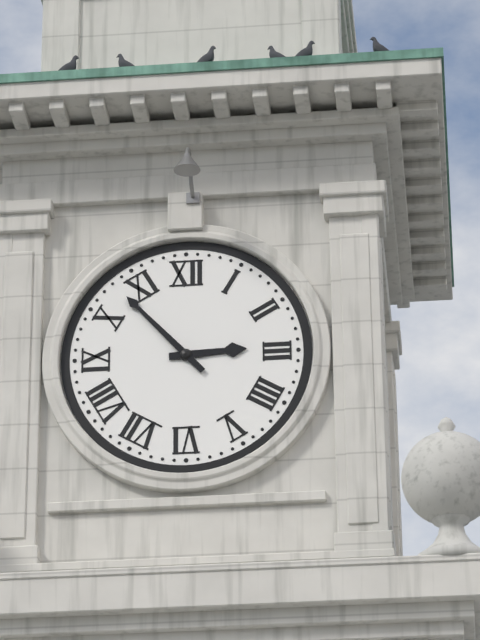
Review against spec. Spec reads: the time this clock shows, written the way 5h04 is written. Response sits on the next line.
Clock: 2h53
